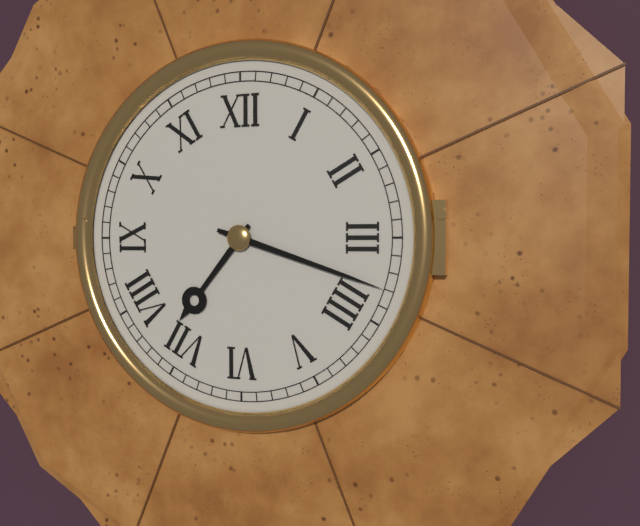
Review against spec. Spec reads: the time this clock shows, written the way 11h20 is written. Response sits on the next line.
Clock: 7h18
